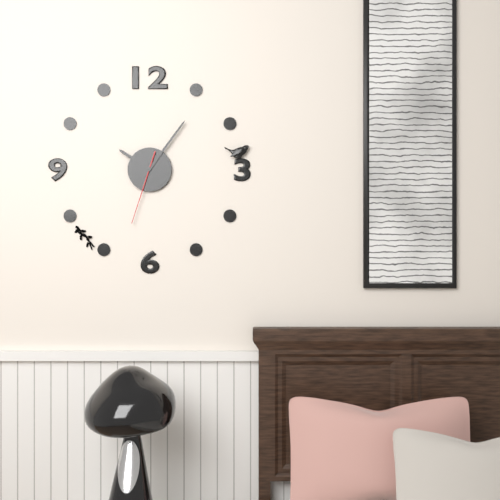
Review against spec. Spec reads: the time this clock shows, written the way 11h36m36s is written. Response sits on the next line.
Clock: 10h06m33s
